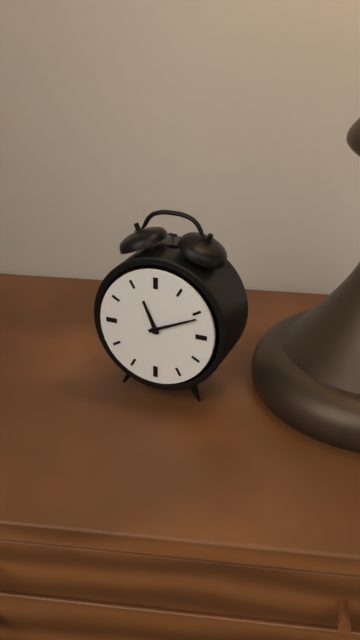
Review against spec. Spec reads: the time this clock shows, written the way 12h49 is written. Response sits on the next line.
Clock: 11h11
